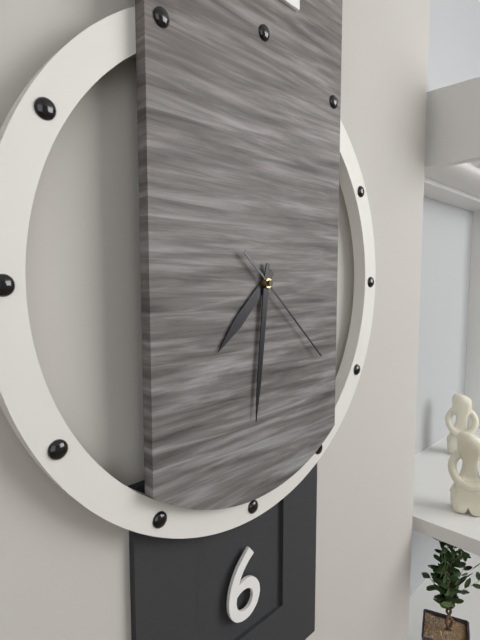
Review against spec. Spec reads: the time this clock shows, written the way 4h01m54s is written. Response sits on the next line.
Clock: 7h31m22s
